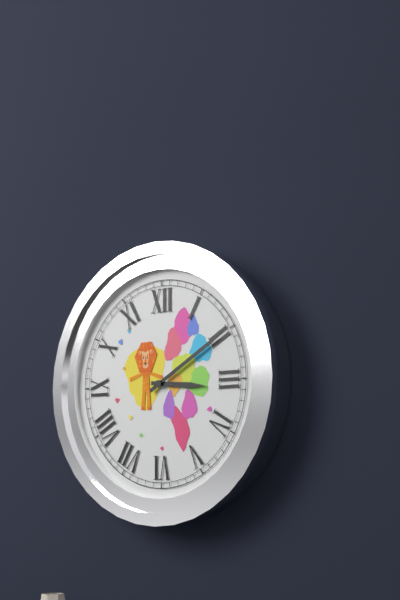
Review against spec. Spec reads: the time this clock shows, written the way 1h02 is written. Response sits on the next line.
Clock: 3h10
